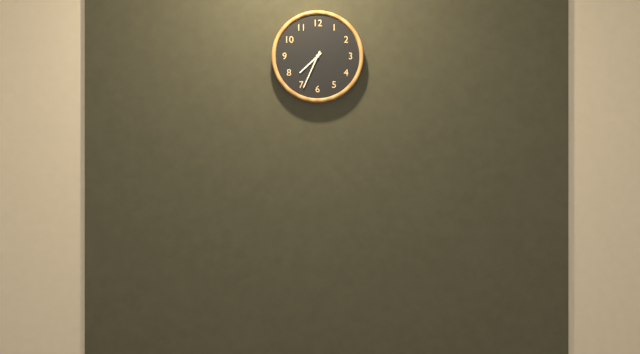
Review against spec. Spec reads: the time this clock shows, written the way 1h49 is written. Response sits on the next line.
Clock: 7h34
